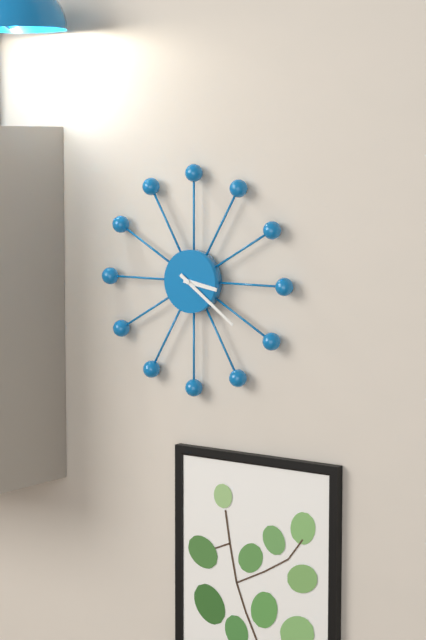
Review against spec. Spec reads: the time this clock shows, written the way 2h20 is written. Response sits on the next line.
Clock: 3h21
